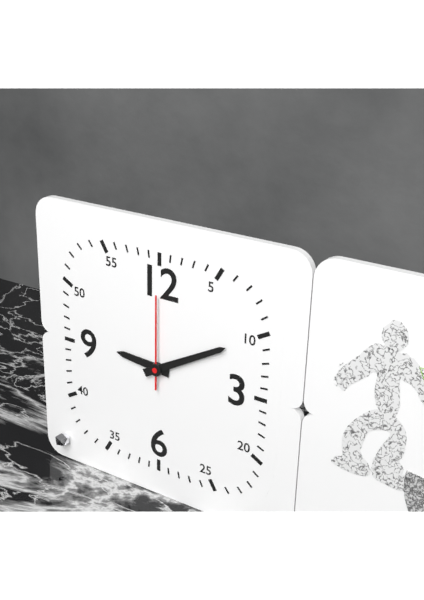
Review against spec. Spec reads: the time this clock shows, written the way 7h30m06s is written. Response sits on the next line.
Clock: 9h10m00s
